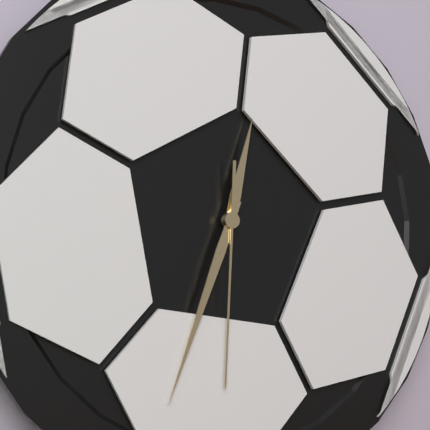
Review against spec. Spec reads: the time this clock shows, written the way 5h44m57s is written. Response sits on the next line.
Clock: 12h34m31s
